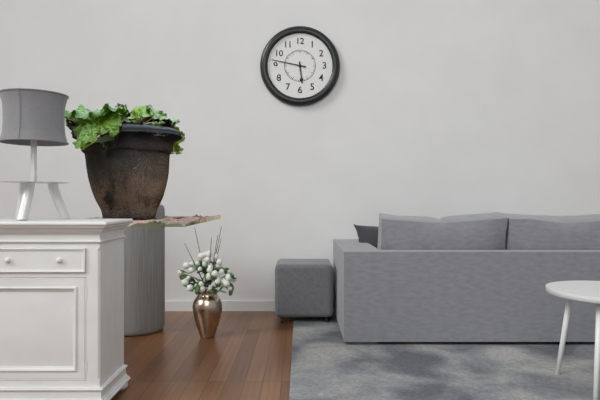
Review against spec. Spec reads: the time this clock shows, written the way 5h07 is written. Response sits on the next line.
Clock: 5h47
